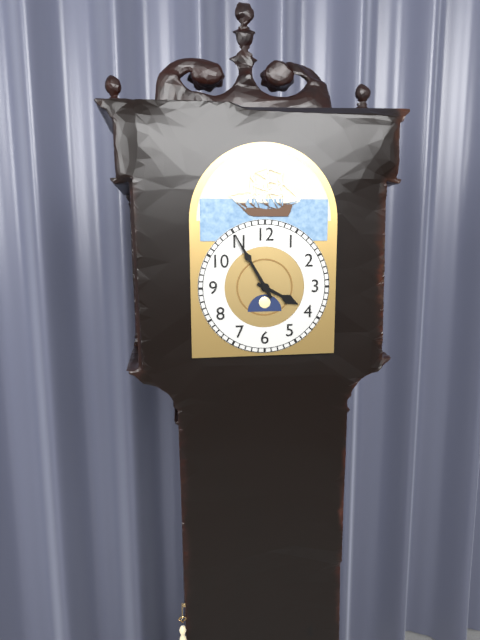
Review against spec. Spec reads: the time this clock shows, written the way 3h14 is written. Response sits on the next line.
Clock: 3h55
